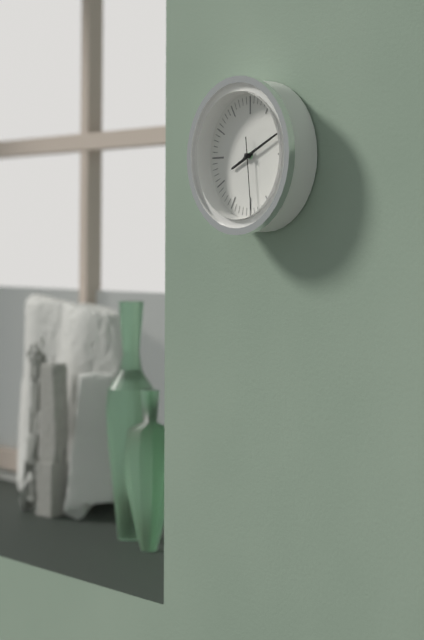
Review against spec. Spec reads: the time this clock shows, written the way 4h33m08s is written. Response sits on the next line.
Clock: 8h11m29s
